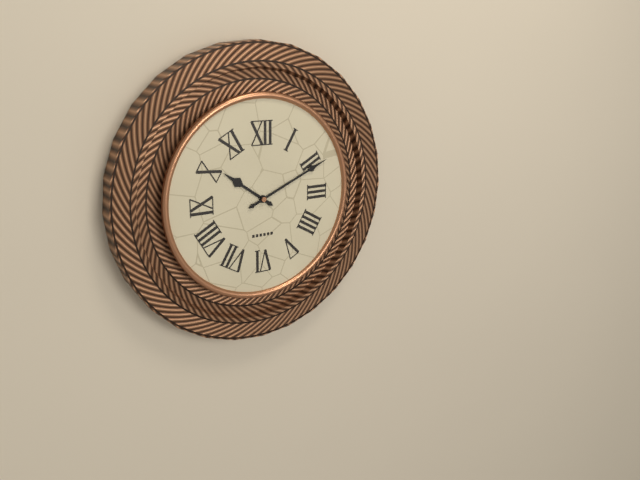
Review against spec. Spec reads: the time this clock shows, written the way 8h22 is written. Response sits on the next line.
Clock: 10h11
